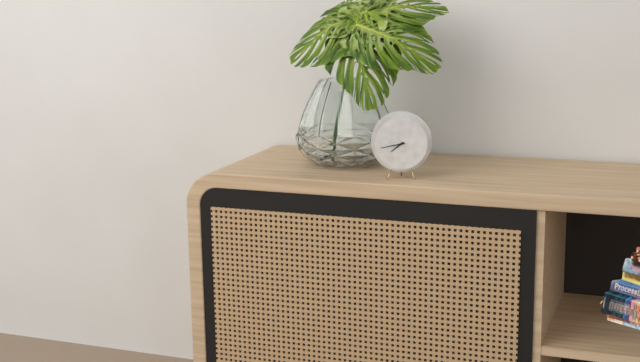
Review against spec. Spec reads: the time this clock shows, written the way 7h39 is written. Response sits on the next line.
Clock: 7h43
